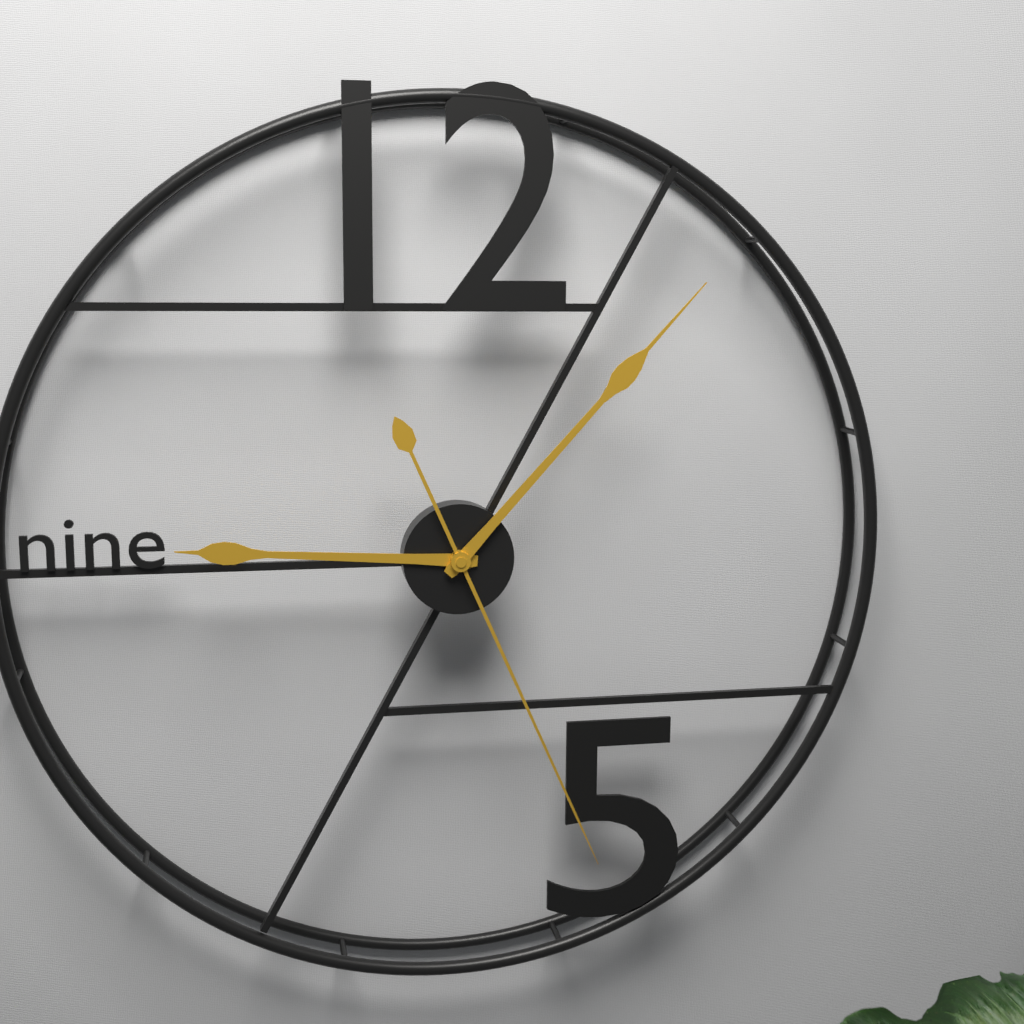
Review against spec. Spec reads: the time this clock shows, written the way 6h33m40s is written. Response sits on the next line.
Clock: 9h07m26s
